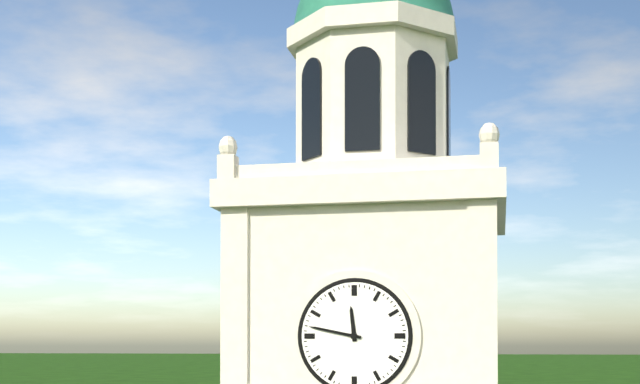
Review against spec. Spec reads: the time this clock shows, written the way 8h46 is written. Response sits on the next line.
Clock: 11h47
